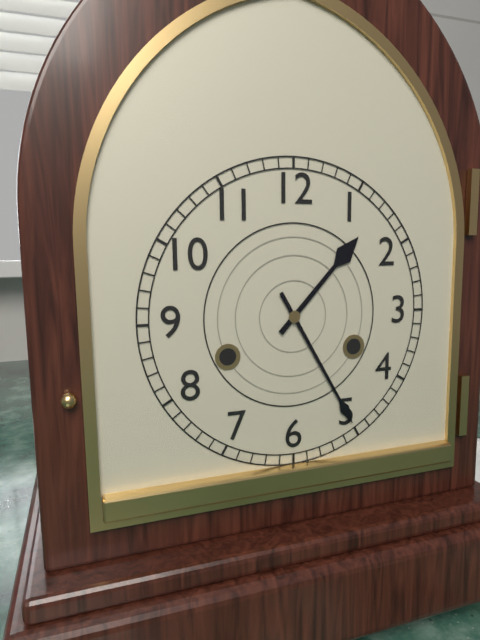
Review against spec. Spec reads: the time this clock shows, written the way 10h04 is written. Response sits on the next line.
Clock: 1h25
